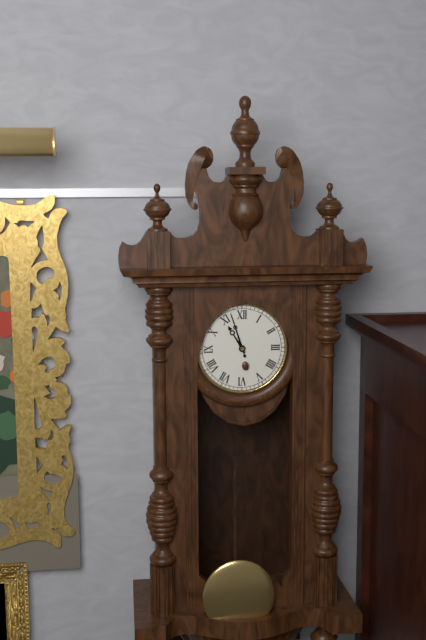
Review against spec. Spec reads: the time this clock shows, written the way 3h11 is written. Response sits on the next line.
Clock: 10h57
